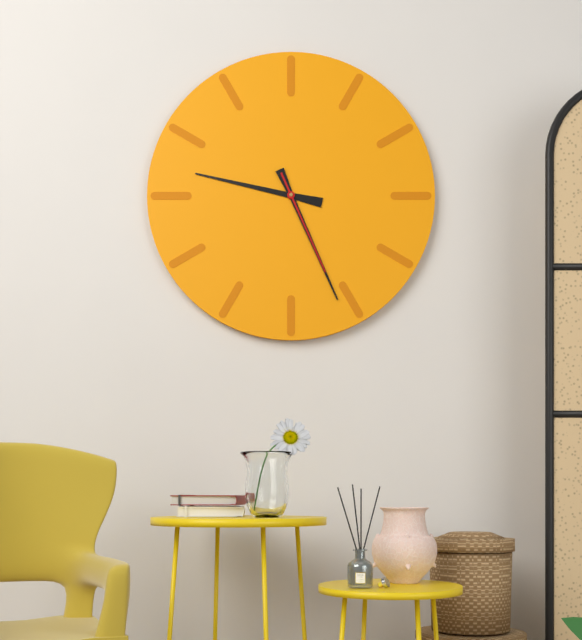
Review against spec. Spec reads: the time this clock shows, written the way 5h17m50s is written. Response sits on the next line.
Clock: 9h26m26s
